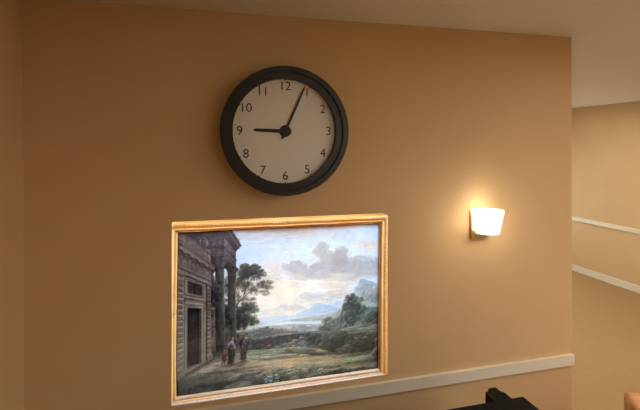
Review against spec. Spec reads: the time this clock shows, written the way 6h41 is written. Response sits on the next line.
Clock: 9h04
